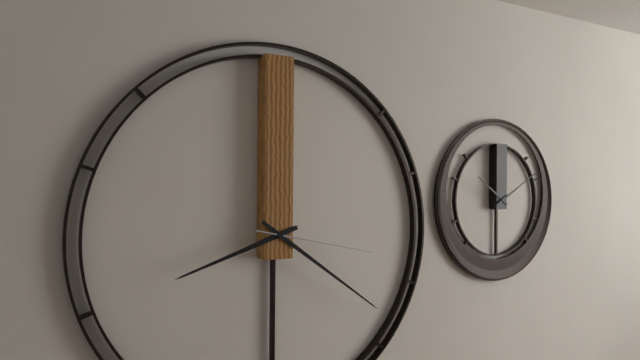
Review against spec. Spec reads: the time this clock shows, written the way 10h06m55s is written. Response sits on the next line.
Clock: 8h21m17s
